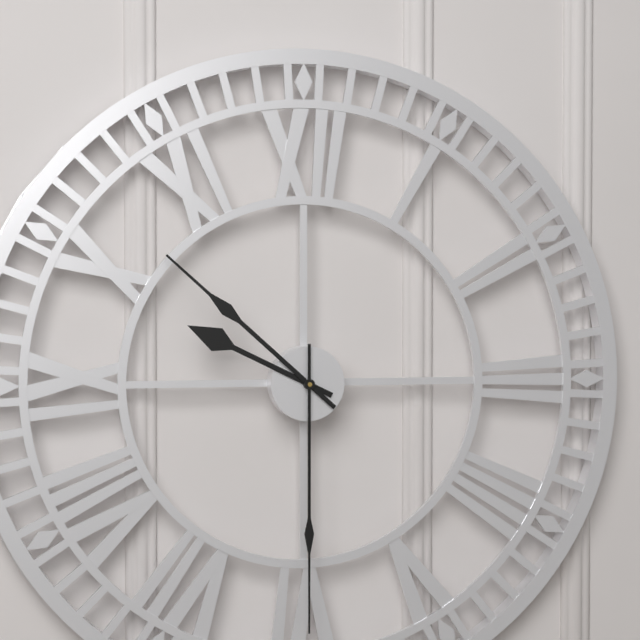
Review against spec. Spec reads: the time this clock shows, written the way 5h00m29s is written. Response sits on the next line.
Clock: 9h52m30s
